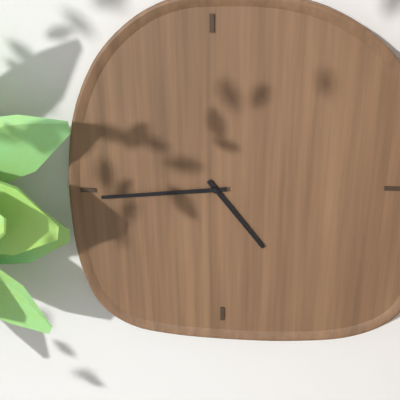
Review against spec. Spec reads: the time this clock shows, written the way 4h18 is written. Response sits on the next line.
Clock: 4h44
